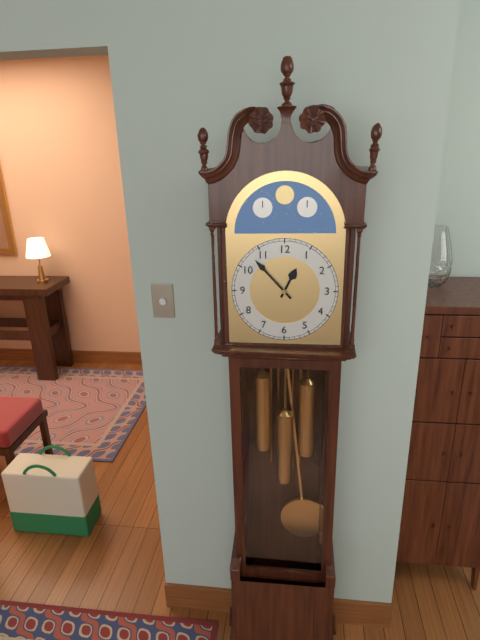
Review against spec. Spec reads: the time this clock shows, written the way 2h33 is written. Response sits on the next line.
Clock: 12h53
